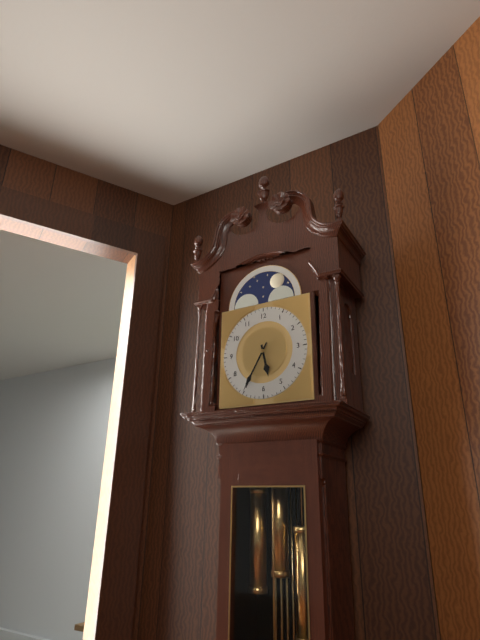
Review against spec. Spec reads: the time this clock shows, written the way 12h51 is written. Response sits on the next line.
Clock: 5h35
